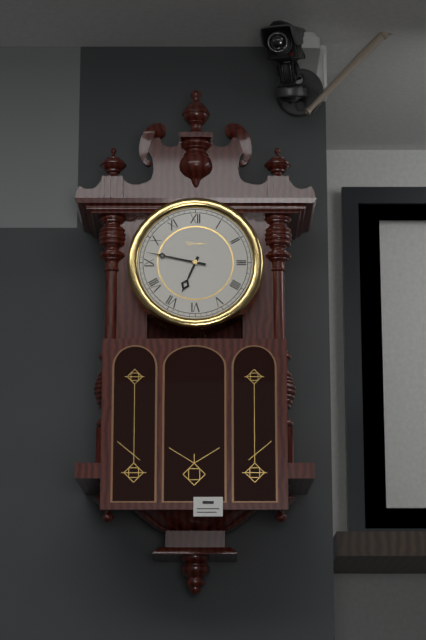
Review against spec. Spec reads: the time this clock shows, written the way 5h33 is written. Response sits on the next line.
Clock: 6h47
